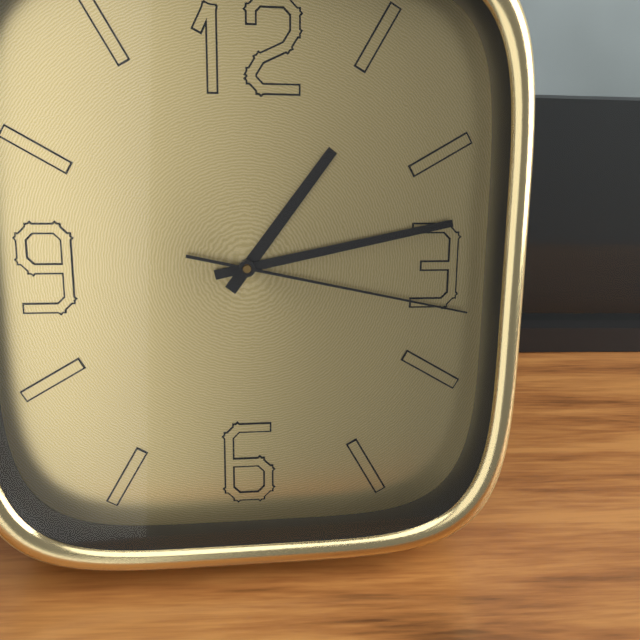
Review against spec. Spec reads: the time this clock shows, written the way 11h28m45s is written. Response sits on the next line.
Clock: 1h13m17s
